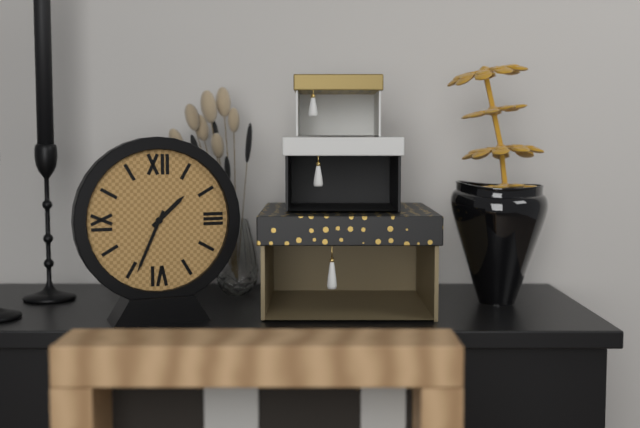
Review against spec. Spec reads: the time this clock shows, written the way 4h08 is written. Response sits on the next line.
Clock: 1h34
